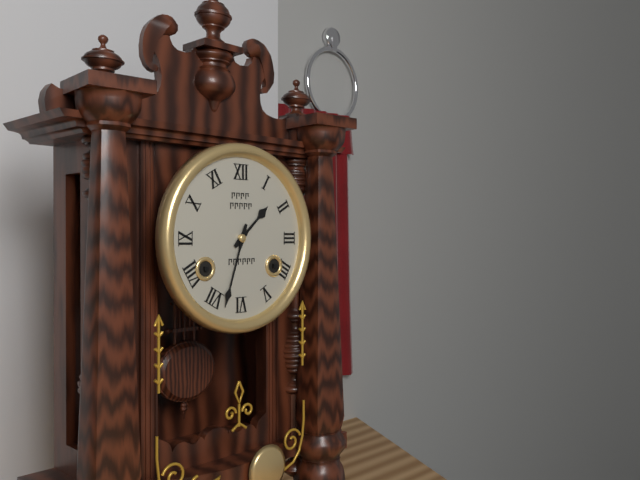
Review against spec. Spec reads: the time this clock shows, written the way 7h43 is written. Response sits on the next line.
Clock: 1h33
